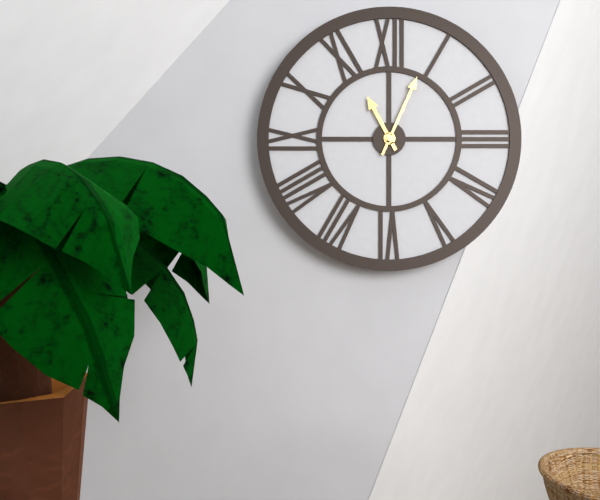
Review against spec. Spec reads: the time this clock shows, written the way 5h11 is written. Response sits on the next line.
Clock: 11h04
